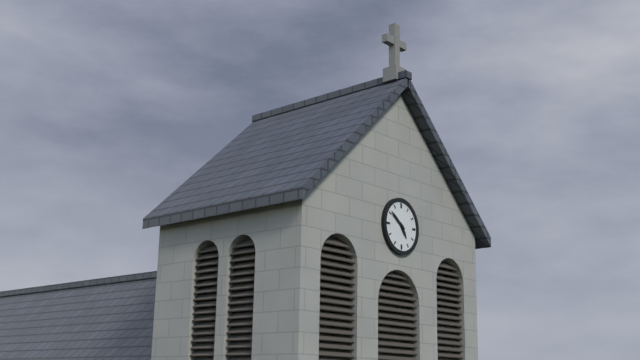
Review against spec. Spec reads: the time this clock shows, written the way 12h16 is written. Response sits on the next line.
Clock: 4h51
